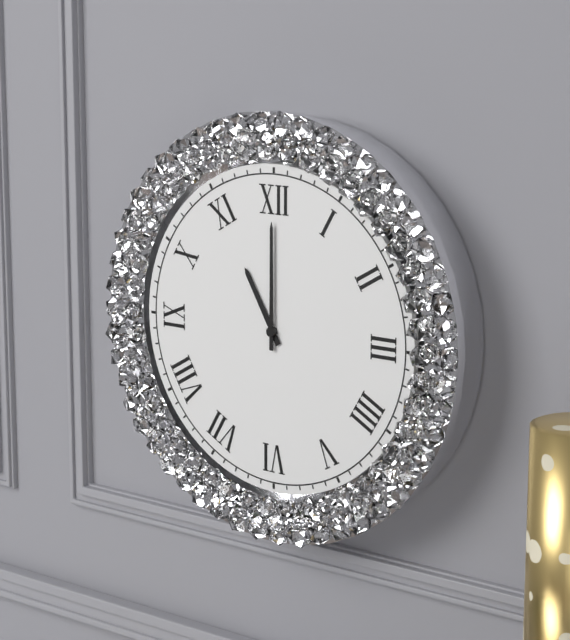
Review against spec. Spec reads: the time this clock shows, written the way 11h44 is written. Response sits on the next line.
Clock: 11h00
